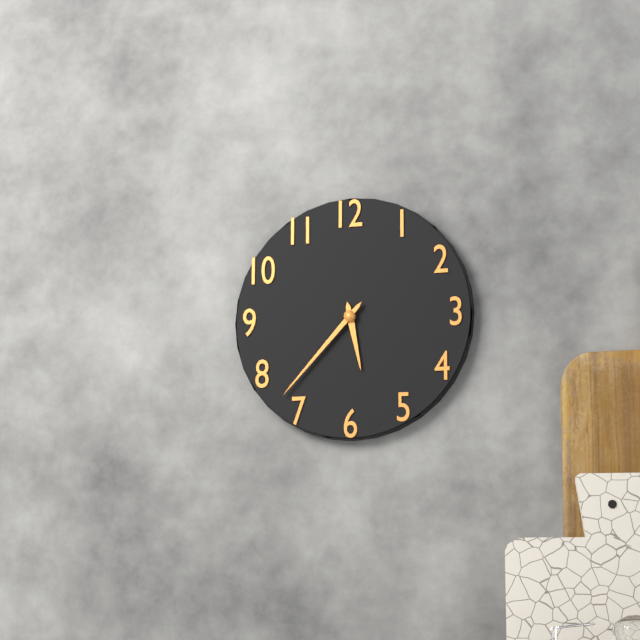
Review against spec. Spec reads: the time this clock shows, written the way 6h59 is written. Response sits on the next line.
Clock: 5h37
